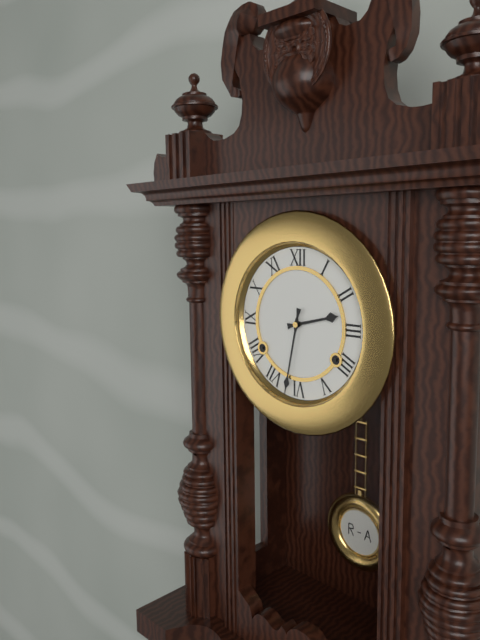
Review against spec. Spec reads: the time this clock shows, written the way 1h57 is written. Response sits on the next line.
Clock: 2h32
